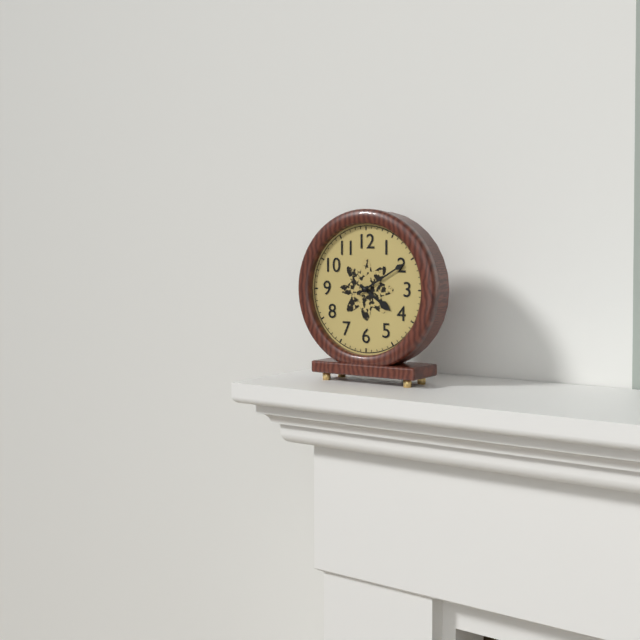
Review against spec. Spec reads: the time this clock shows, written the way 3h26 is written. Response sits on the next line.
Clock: 4h10
